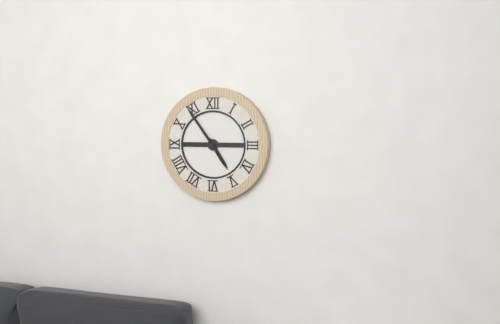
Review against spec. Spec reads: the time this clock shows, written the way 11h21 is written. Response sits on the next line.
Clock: 4h54
